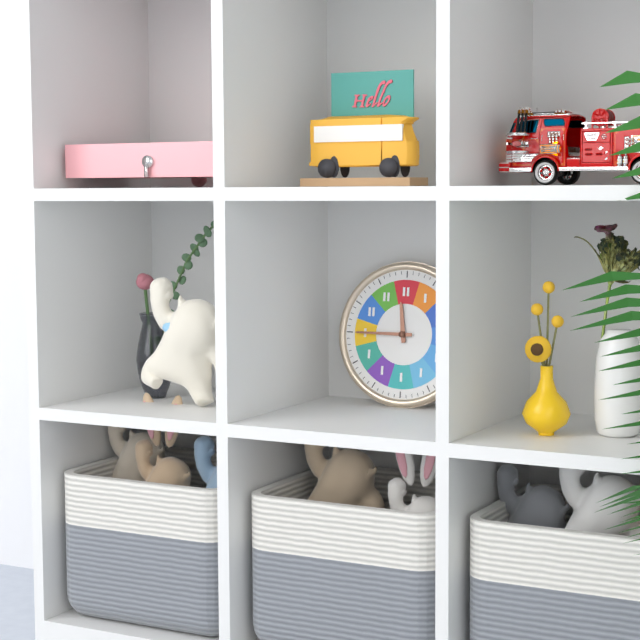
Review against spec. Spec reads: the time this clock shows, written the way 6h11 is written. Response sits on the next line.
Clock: 11h45
